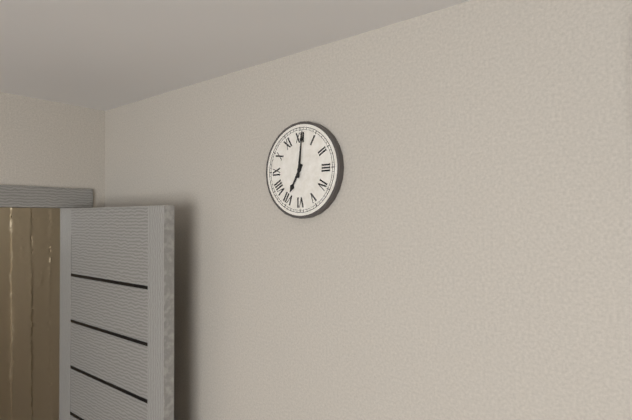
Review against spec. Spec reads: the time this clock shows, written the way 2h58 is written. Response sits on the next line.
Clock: 7h01
